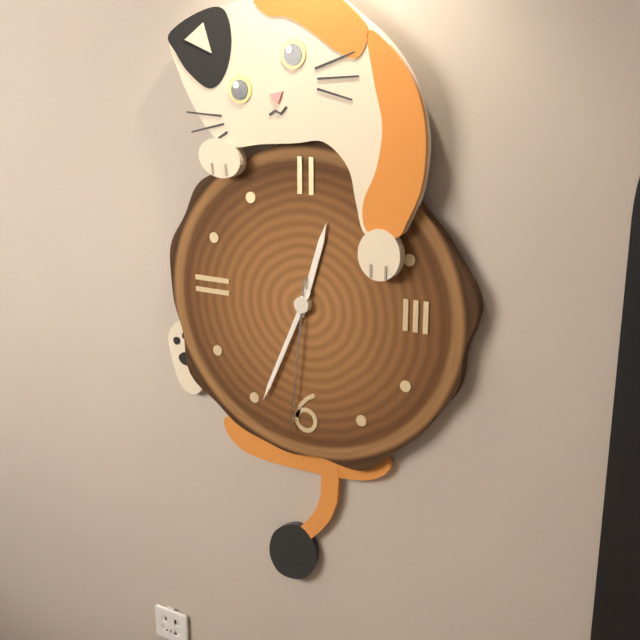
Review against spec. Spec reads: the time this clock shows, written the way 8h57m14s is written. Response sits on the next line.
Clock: 12h34m31s
